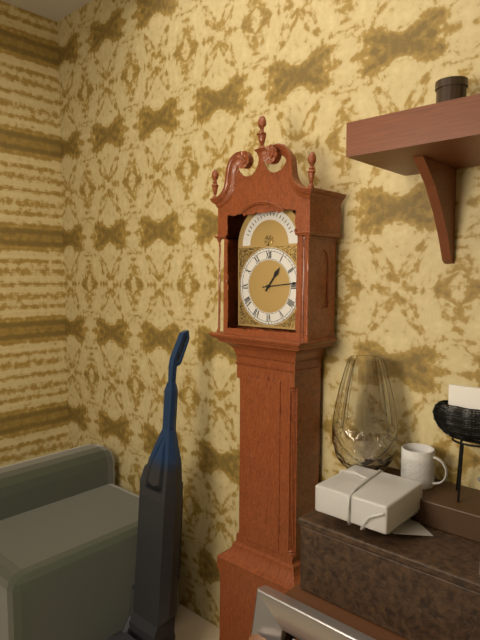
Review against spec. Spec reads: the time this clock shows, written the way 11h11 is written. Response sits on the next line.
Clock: 1h14
